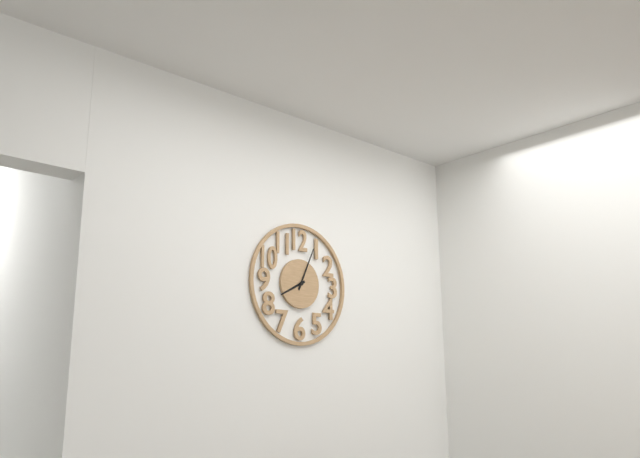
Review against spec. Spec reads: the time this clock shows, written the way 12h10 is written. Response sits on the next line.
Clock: 8h04
